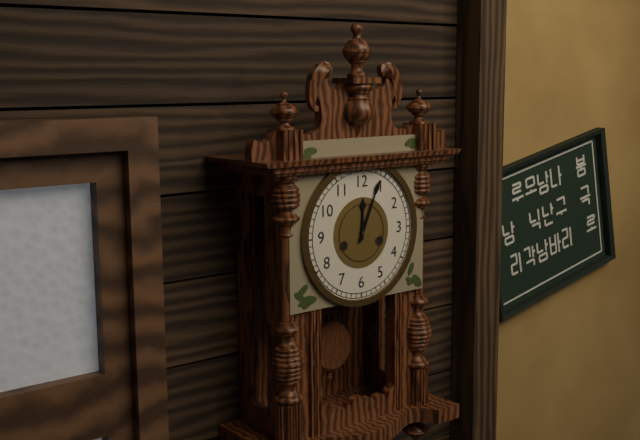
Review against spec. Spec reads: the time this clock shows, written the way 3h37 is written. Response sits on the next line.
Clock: 12h04
